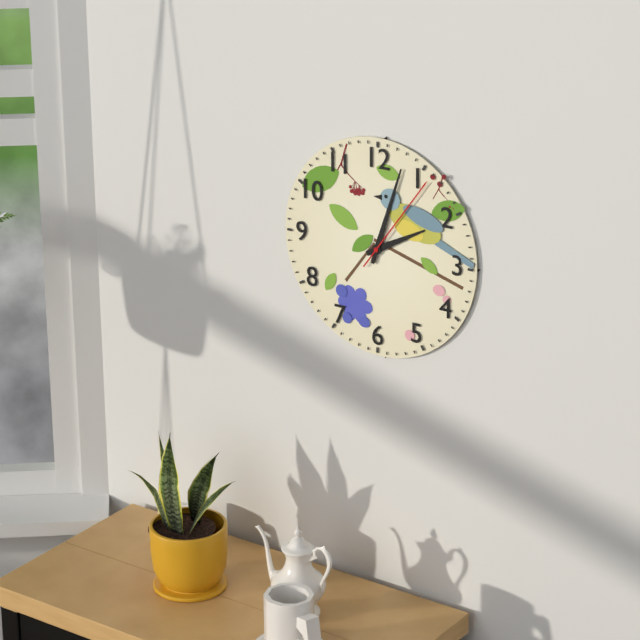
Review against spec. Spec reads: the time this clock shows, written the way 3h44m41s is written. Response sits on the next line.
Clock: 2h03m06s
